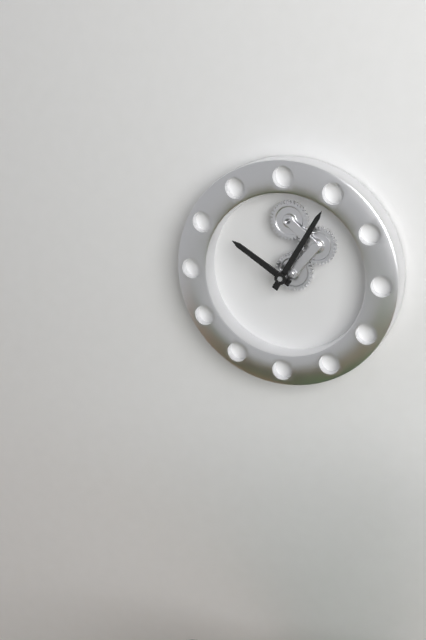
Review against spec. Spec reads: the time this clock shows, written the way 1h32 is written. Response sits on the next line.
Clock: 10h05
